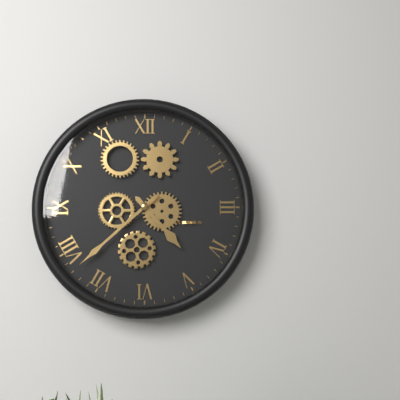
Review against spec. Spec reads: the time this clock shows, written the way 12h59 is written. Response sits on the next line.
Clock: 4h38
